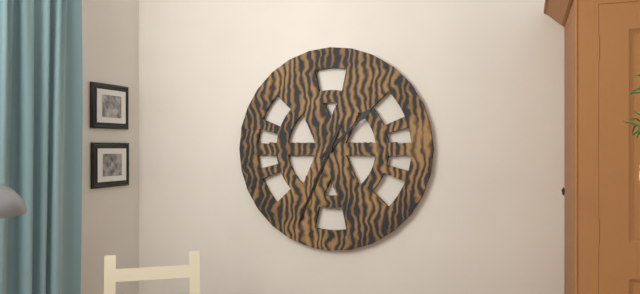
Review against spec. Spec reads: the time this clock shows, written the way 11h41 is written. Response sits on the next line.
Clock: 1h34
